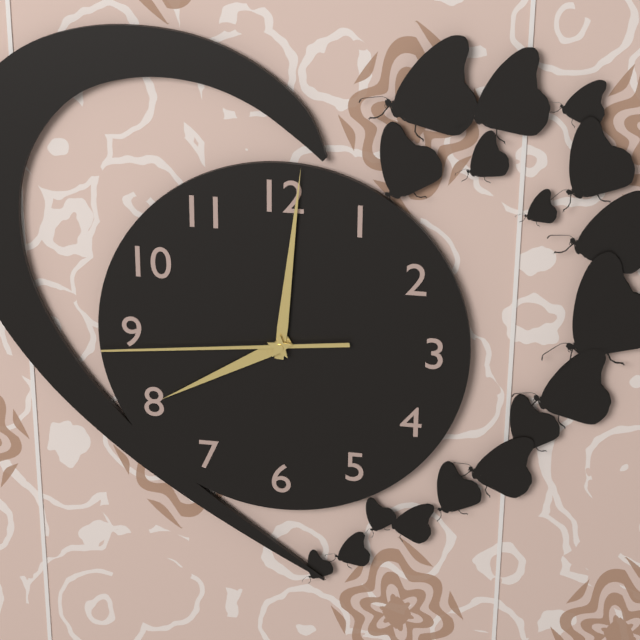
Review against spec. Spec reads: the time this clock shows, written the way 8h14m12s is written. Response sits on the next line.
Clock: 8h01m44s
